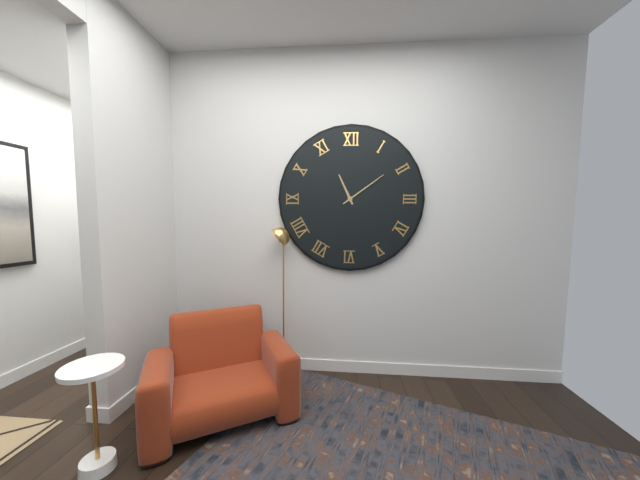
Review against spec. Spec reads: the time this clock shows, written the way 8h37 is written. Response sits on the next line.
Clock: 11h09
